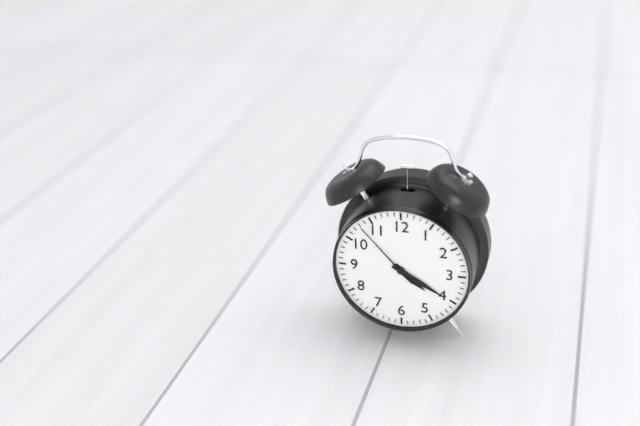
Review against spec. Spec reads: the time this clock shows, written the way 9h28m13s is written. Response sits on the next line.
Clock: 4h20m53s
